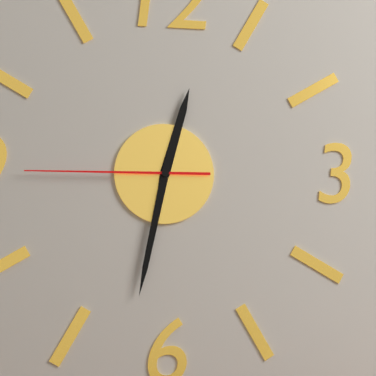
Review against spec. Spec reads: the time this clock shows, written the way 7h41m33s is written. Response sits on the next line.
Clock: 12h32m45s
